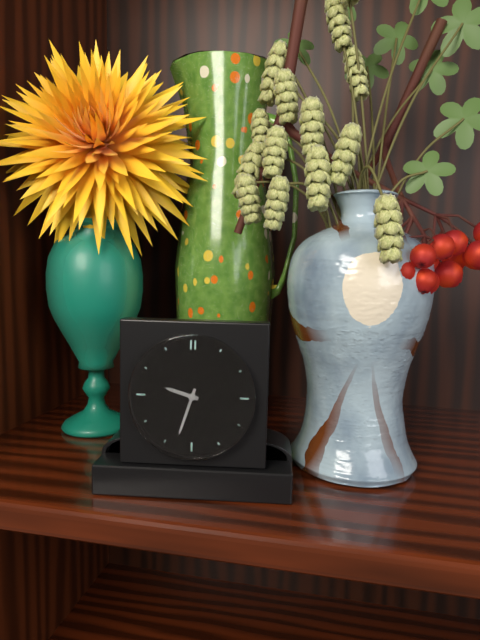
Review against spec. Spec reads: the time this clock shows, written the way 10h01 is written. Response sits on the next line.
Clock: 9h33
